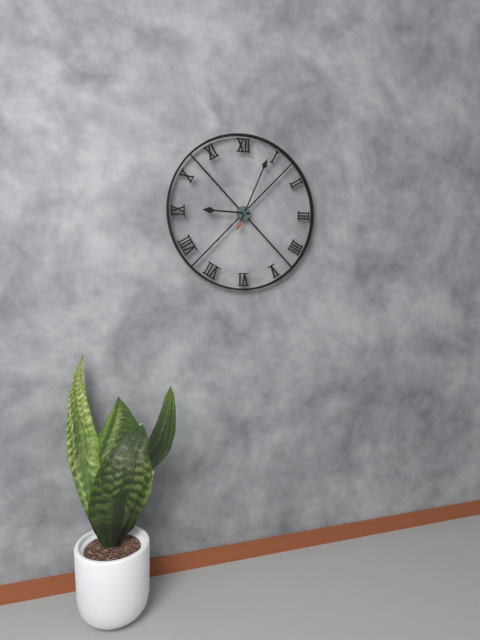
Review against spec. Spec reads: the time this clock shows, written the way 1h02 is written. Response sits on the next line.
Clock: 9h04
